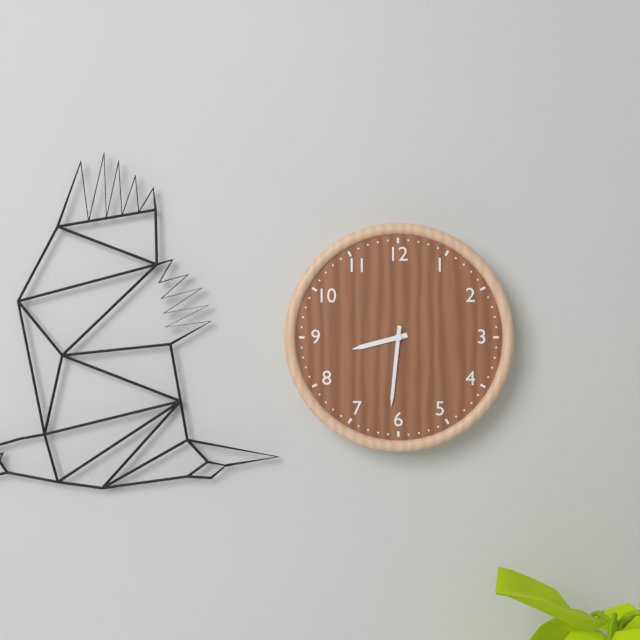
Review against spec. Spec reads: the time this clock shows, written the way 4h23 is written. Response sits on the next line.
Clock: 8h31
